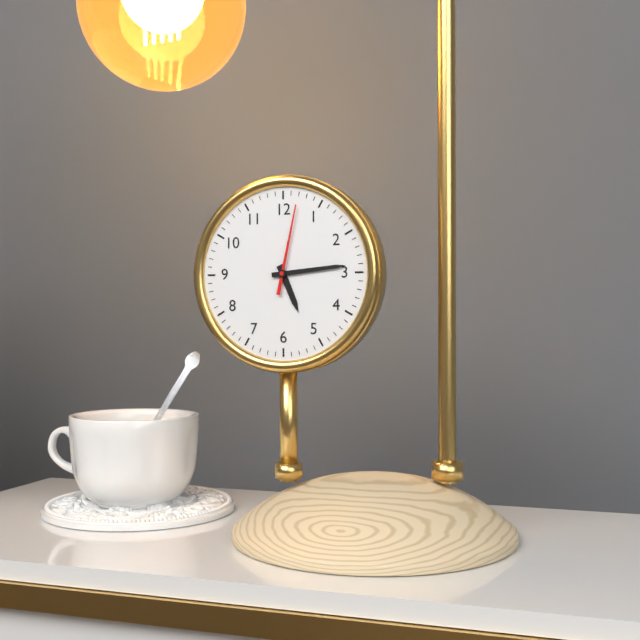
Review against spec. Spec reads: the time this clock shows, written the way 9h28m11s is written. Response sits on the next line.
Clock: 5h14m02s
